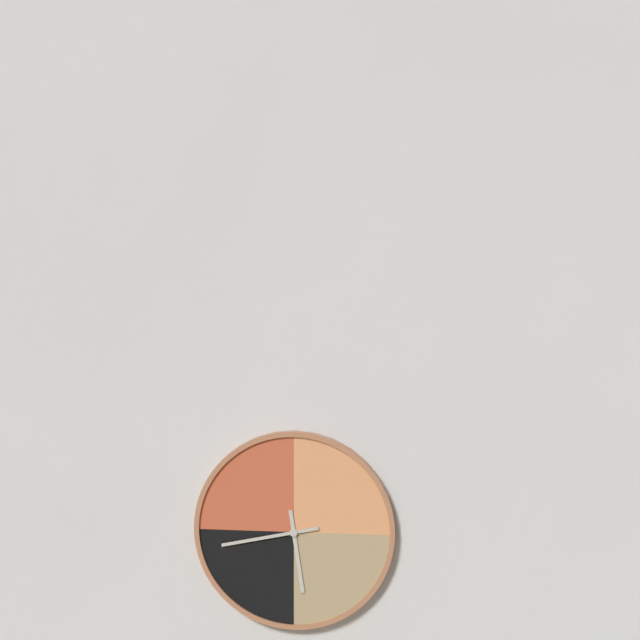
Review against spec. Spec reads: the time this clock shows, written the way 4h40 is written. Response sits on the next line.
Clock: 5h43
